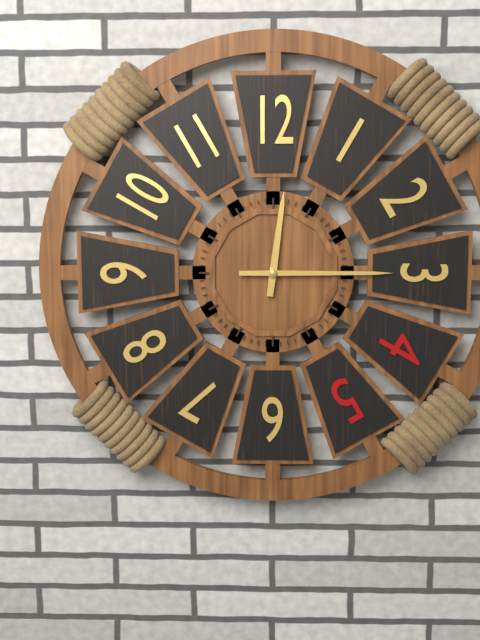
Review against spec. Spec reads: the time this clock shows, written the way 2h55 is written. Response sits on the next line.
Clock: 12h15
